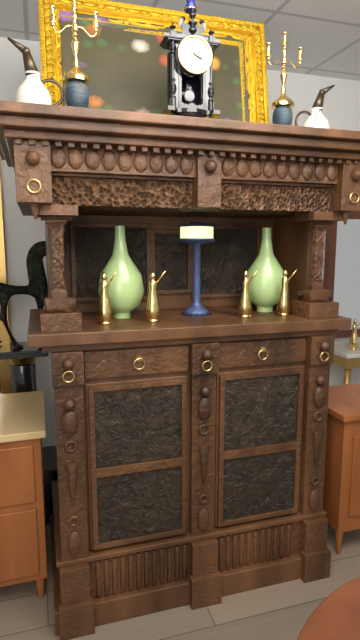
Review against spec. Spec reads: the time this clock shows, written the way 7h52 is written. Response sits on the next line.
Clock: 3h51
